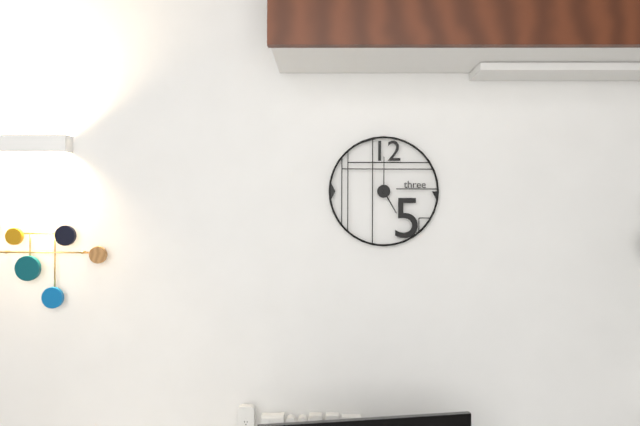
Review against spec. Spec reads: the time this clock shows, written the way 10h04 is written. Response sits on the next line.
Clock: 5h00
